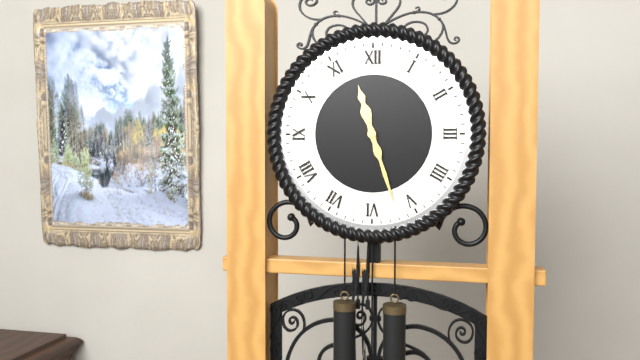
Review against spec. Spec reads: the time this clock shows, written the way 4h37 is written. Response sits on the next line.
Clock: 11h27
